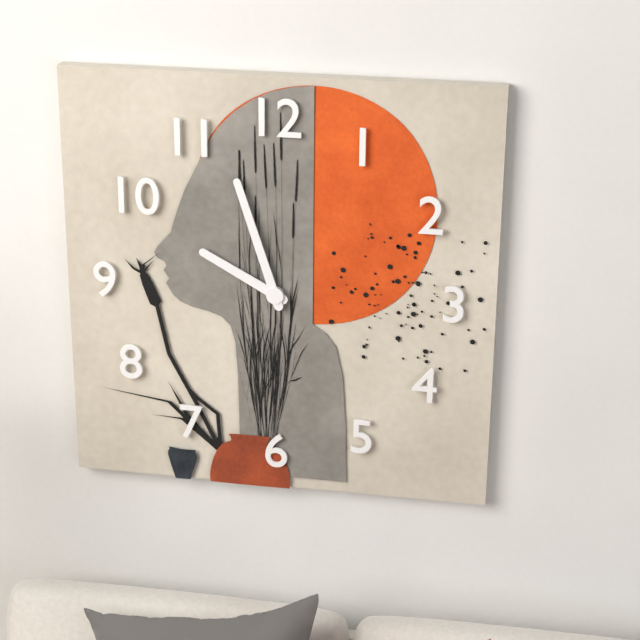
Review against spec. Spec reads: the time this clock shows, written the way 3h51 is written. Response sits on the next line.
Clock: 9h57
